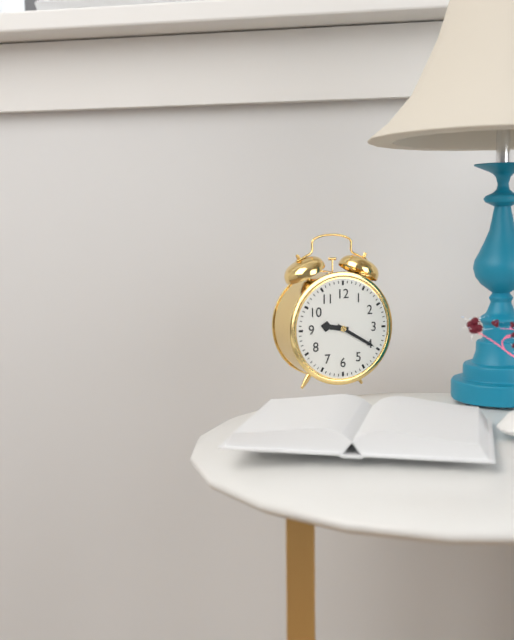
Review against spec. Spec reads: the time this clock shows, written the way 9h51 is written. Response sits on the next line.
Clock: 9h20
